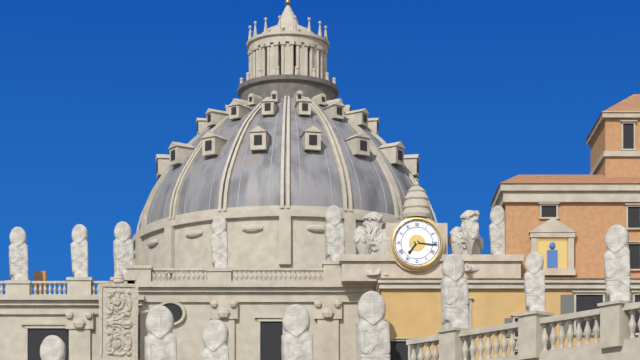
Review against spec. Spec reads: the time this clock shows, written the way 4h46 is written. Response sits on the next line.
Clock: 7h16
